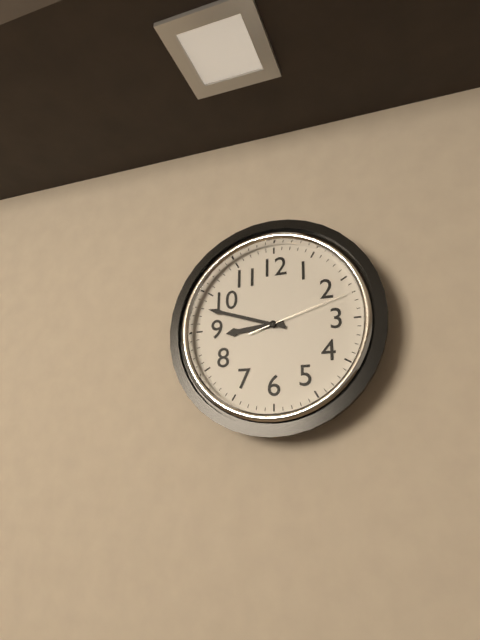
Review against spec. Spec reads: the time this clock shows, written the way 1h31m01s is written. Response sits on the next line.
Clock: 8h48m12s
